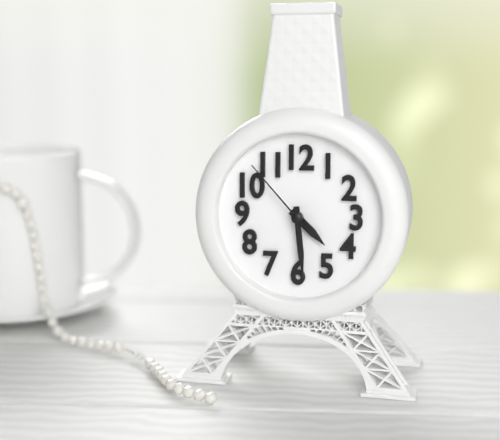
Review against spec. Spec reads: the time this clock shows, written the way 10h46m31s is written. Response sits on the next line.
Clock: 4h29m53s
